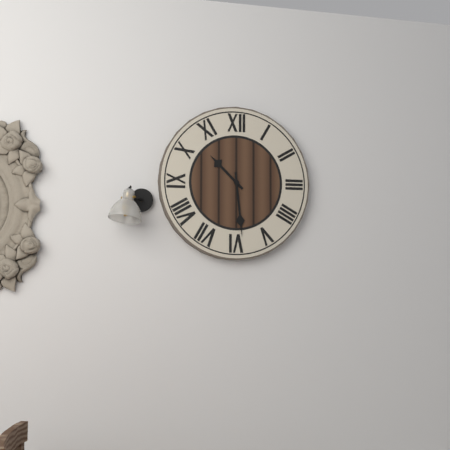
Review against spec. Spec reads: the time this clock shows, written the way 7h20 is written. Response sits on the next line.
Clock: 10h29
